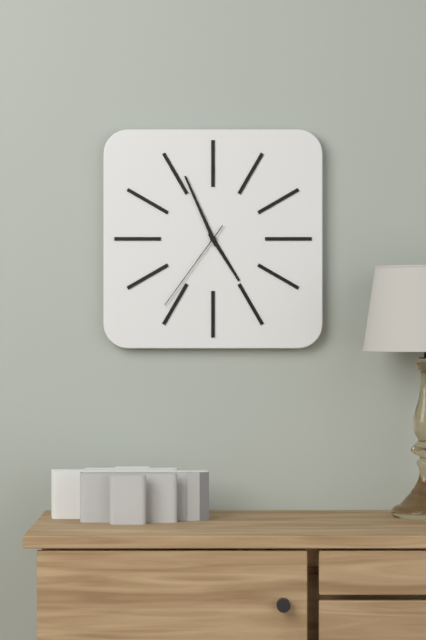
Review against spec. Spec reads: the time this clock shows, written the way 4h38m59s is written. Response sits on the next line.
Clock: 4h56m36s
